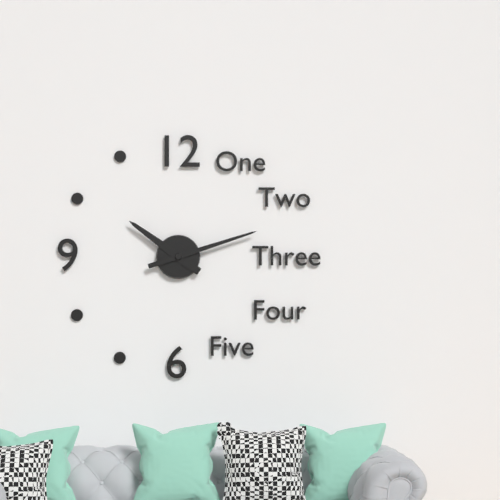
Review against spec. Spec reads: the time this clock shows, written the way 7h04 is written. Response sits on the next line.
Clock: 10h12
